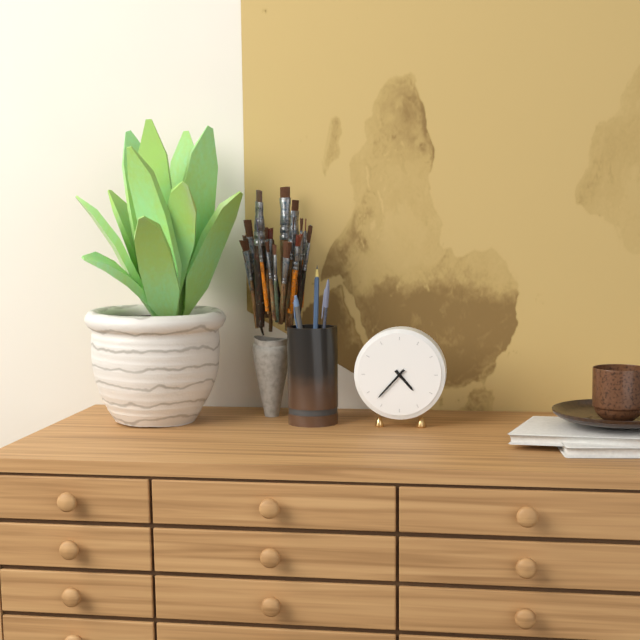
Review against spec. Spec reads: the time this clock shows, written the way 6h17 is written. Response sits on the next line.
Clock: 4h37
